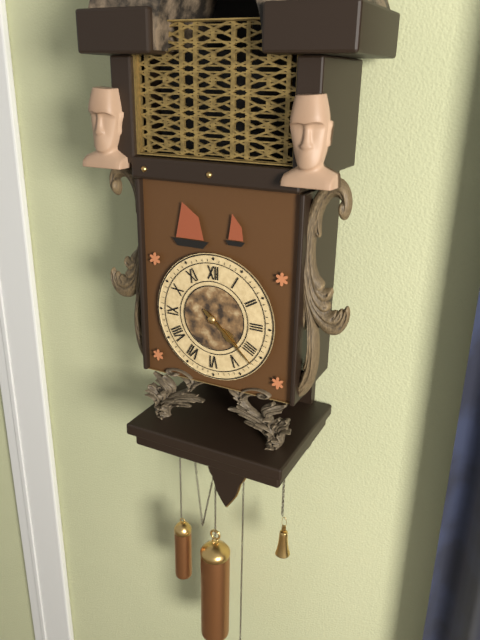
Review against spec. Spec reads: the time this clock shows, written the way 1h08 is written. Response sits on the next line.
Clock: 4h22
